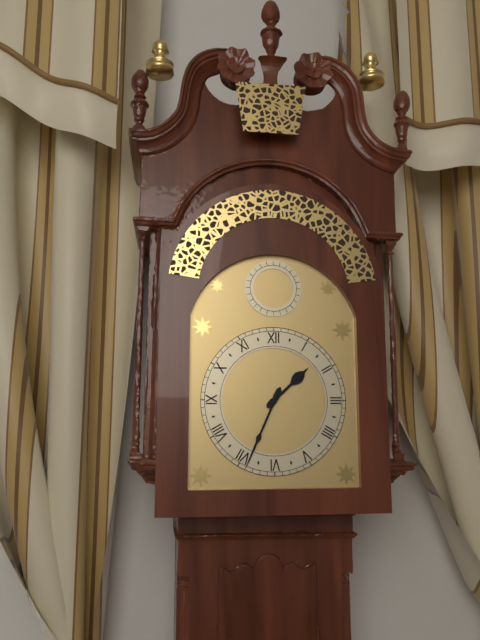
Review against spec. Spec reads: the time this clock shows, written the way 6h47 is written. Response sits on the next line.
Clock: 1h34
